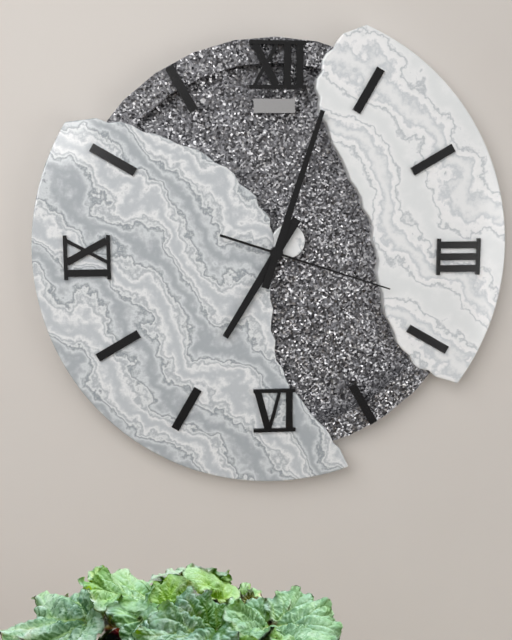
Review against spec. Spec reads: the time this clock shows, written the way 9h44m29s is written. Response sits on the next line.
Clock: 7h03m18s
